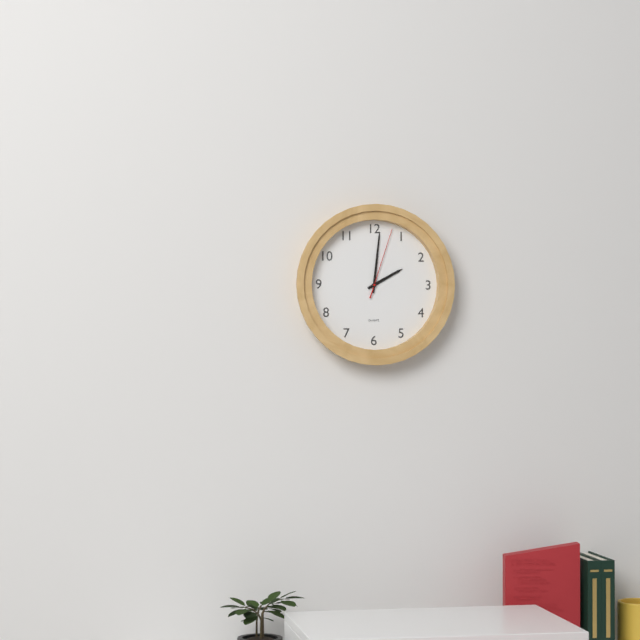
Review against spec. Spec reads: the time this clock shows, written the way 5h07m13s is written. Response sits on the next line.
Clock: 2h01m03s
